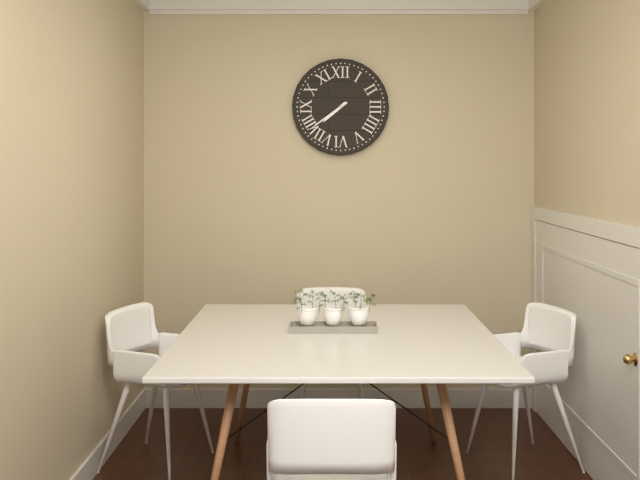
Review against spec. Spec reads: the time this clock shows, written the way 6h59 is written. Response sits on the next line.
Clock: 7h39
